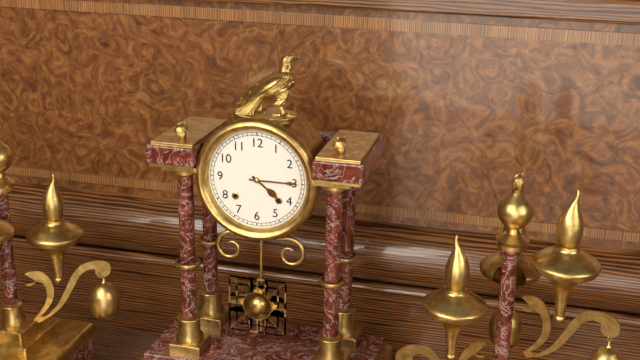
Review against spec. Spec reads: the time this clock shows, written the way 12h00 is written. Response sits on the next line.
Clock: 4h15
